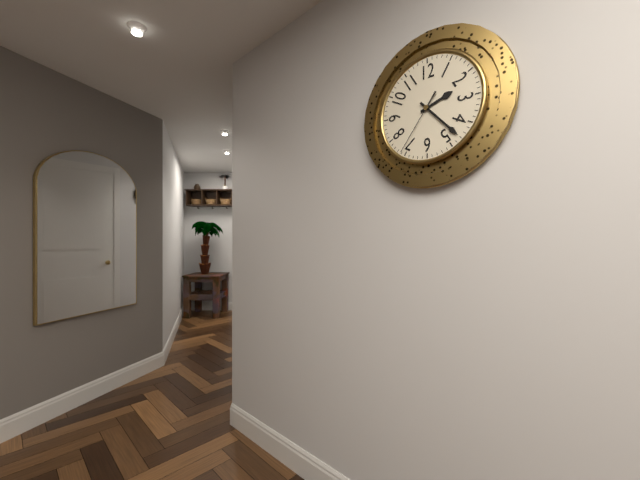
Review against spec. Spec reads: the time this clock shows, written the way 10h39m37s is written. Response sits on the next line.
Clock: 2h23m36s
